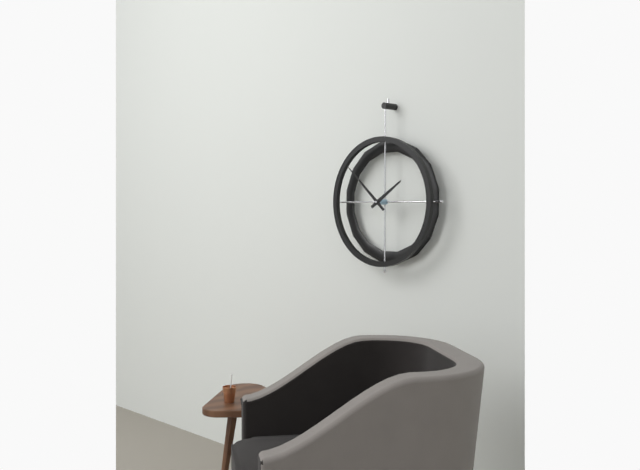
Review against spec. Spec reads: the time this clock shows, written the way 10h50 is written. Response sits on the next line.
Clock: 1h52
